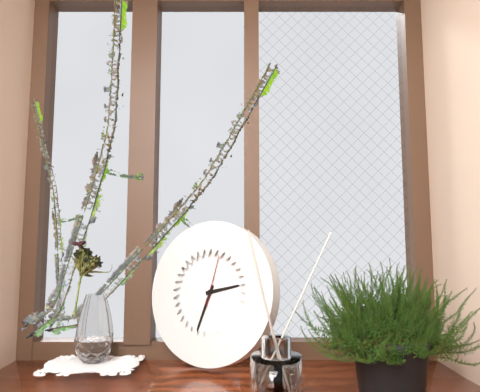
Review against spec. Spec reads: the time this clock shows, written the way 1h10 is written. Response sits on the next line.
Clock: 2h33
